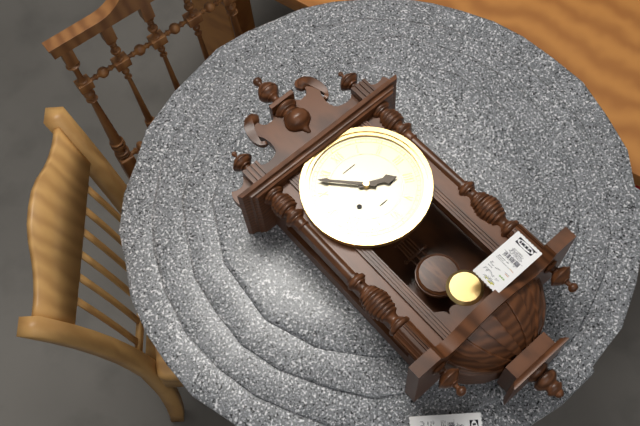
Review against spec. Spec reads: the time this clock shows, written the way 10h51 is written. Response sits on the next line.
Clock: 3h53
